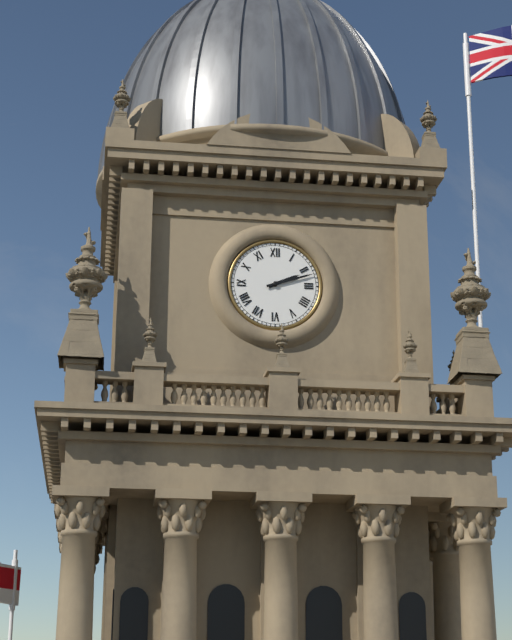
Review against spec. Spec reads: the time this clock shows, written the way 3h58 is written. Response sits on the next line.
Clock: 2h12
